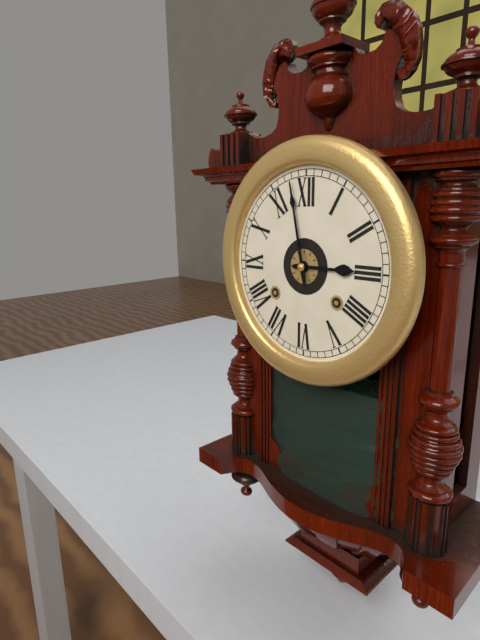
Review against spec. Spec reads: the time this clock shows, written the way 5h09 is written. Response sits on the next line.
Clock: 2h58
